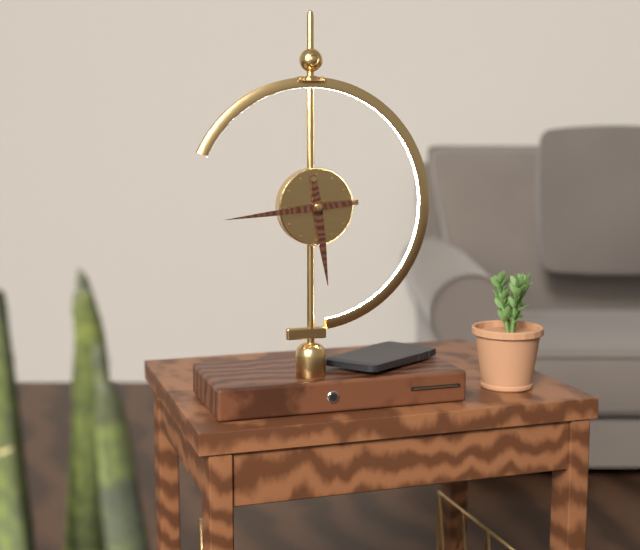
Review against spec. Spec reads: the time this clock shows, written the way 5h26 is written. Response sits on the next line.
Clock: 5h44
